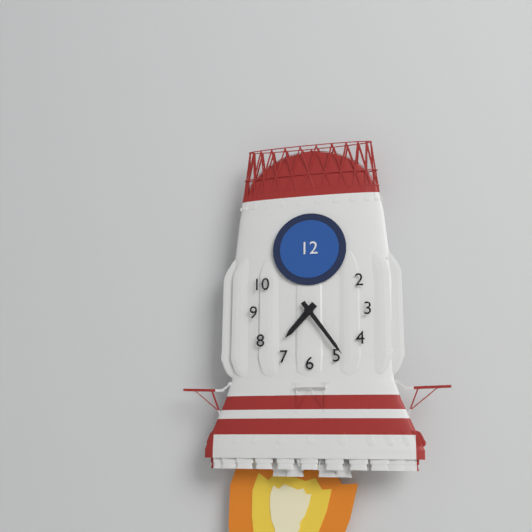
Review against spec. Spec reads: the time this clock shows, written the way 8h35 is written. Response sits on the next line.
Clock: 7h24
